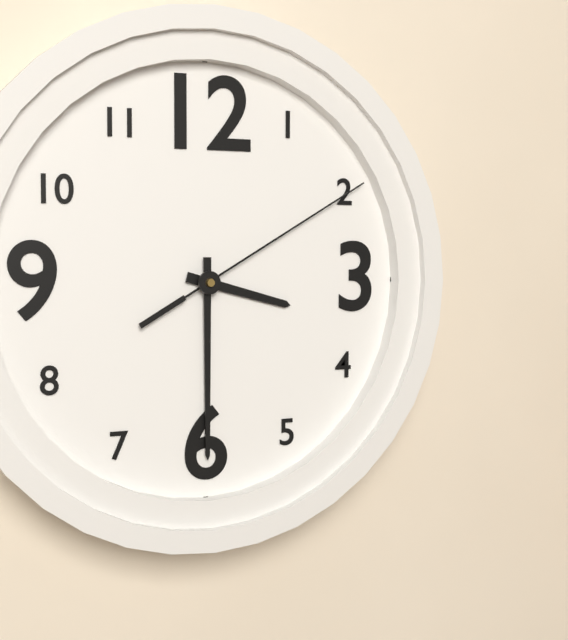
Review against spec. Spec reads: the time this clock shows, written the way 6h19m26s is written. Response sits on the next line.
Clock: 3h30m10s
